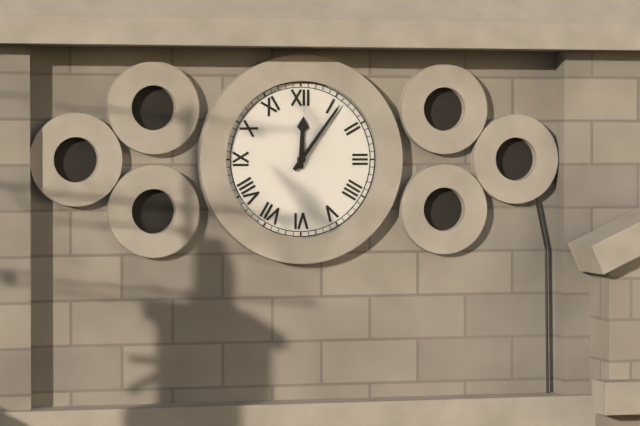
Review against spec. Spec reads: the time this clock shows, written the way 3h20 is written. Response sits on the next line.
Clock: 12h06
